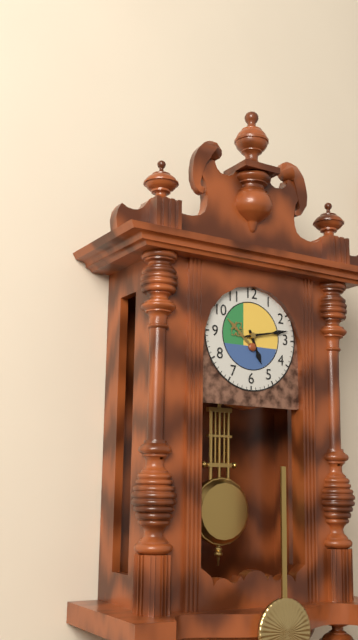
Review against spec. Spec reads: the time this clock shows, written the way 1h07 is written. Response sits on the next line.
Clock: 5h13
